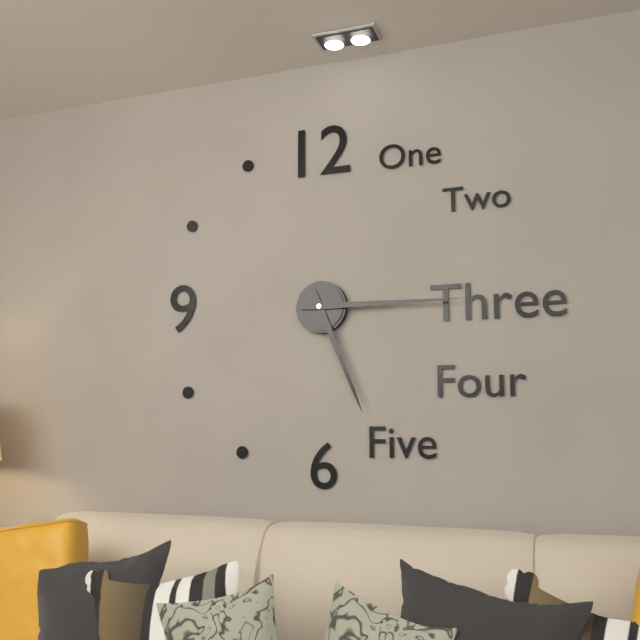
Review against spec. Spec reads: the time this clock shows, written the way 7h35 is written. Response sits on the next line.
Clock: 5h15
